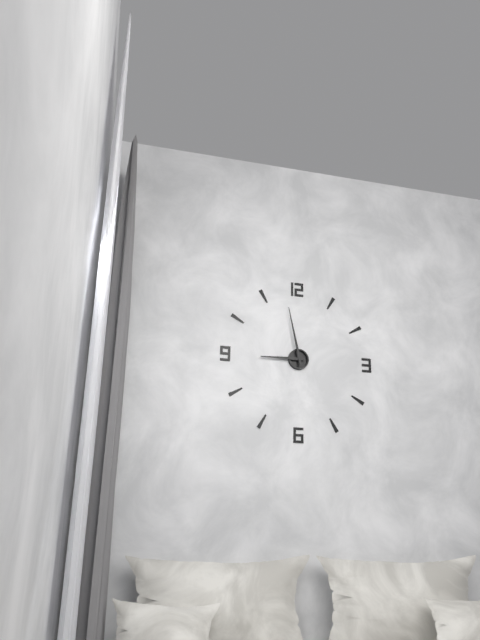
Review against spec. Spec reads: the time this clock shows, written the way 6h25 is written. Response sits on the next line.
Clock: 8h58
